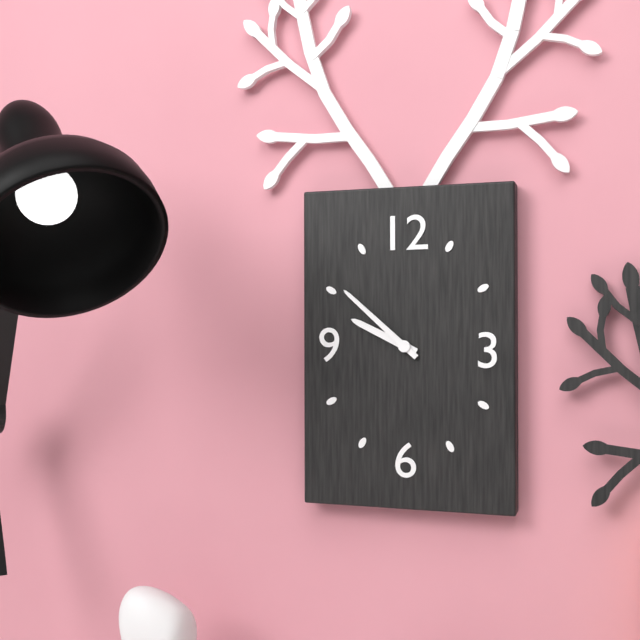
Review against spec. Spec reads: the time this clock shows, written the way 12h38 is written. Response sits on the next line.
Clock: 9h52
